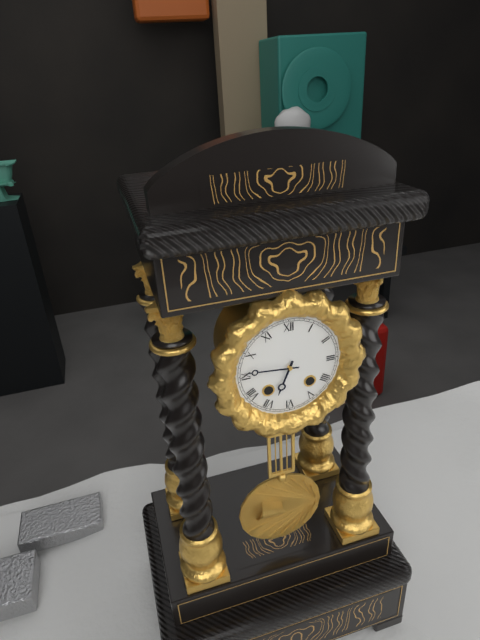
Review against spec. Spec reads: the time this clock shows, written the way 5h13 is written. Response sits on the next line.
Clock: 6h46
